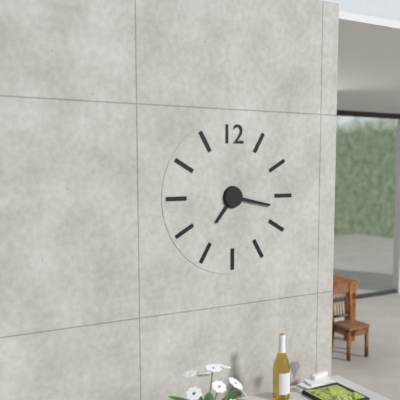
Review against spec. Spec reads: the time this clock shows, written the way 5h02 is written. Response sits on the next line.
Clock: 7h17
